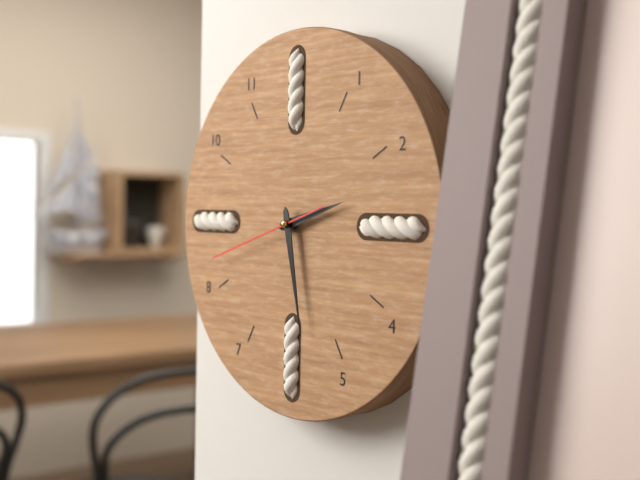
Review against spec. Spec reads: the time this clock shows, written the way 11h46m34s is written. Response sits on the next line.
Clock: 2h28m42s
